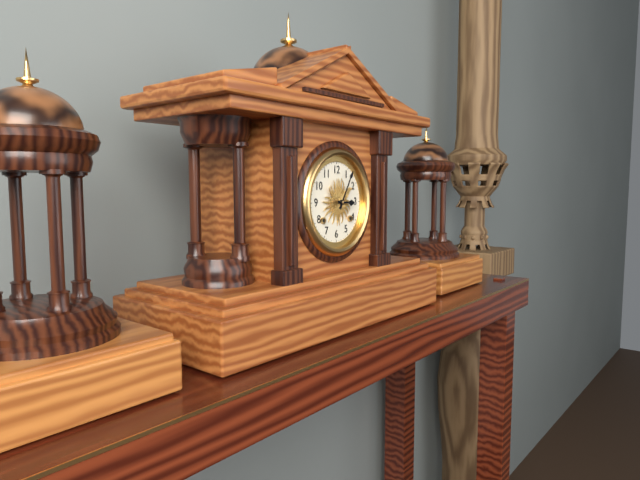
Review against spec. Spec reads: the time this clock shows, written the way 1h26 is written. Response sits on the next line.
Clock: 3h05
